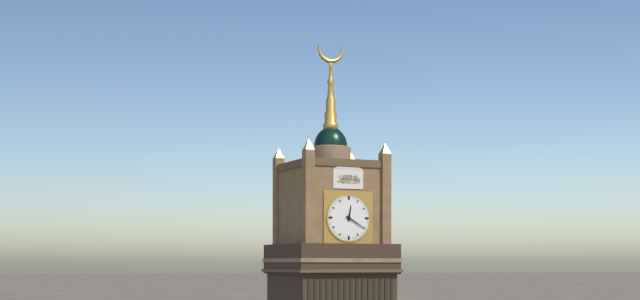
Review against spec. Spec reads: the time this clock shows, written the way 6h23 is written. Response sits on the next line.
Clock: 12h20
